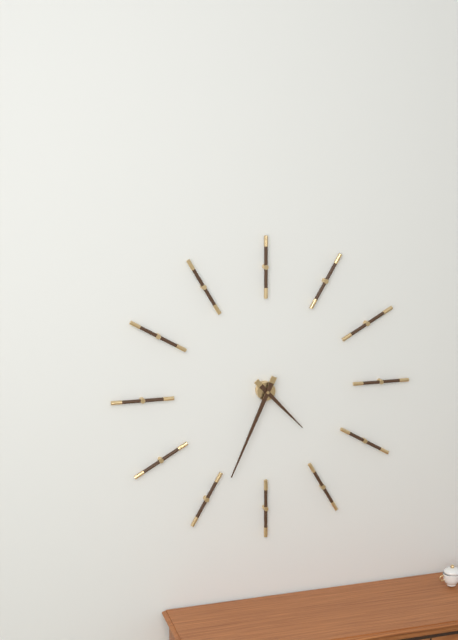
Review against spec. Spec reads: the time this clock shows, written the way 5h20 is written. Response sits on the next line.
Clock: 4h34
